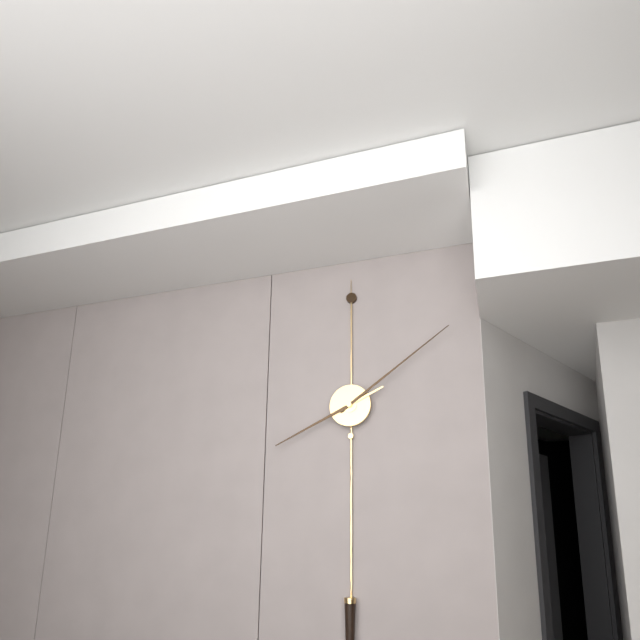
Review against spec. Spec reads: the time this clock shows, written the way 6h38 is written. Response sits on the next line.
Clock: 8h09
